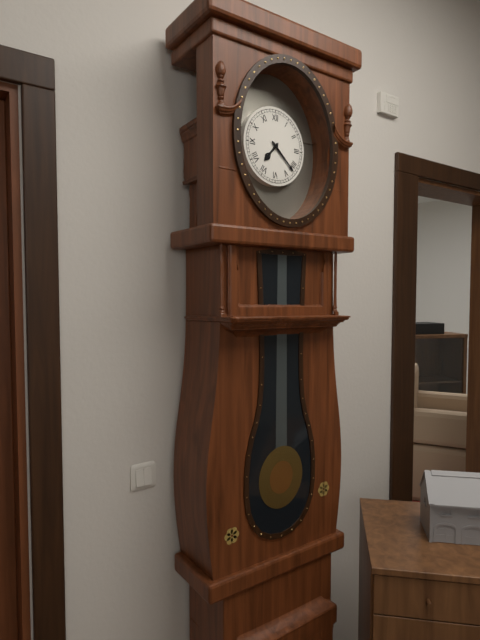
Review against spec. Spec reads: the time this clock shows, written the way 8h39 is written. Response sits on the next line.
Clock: 7h22
